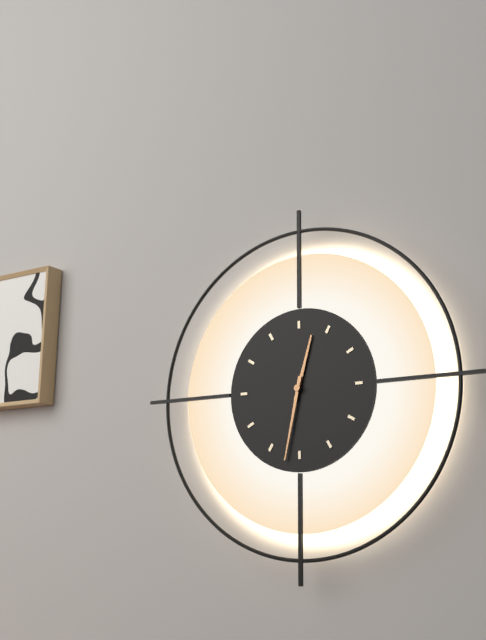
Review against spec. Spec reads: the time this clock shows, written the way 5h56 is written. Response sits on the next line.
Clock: 12h32
